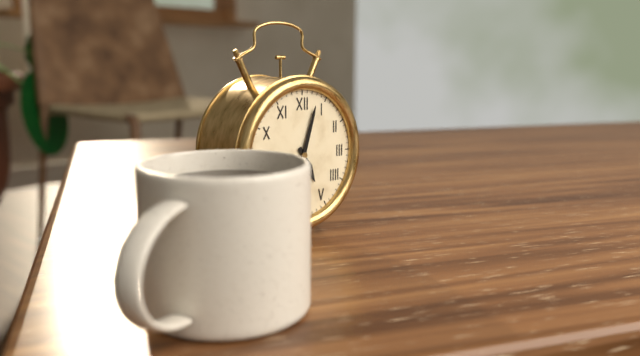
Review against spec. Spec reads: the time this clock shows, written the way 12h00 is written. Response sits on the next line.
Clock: 5h03
